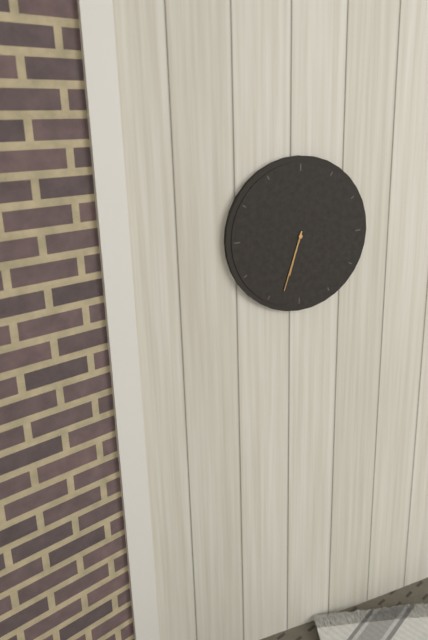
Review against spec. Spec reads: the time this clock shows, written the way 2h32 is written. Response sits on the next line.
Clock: 6h33
